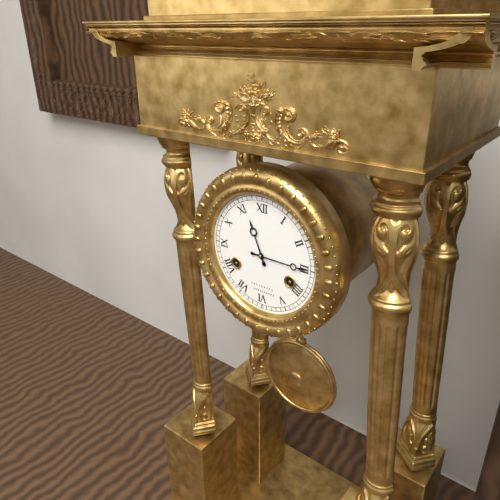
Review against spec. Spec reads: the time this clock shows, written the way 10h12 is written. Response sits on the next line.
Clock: 11h15
